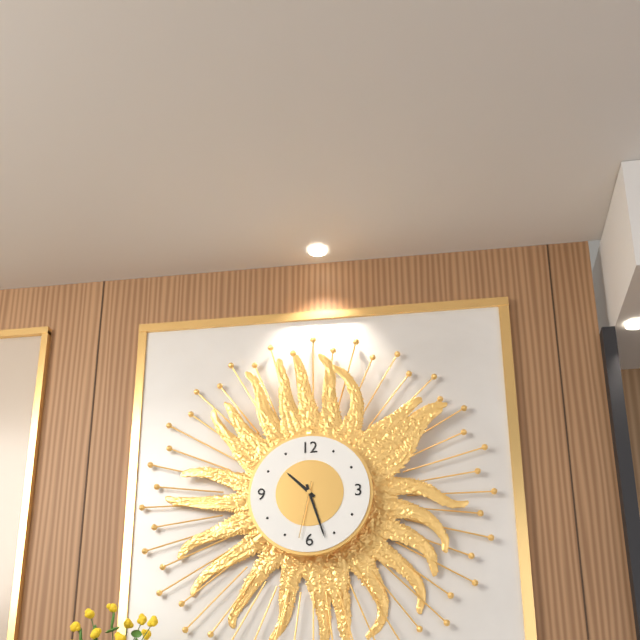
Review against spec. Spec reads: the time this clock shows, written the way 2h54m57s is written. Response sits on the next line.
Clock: 10h27m32s
